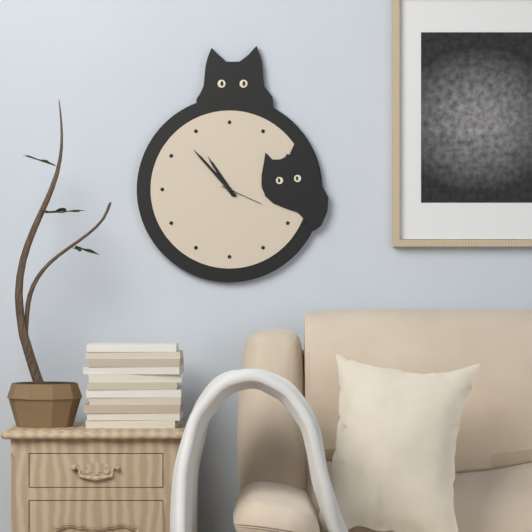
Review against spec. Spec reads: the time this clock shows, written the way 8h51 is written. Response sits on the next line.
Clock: 10h53
